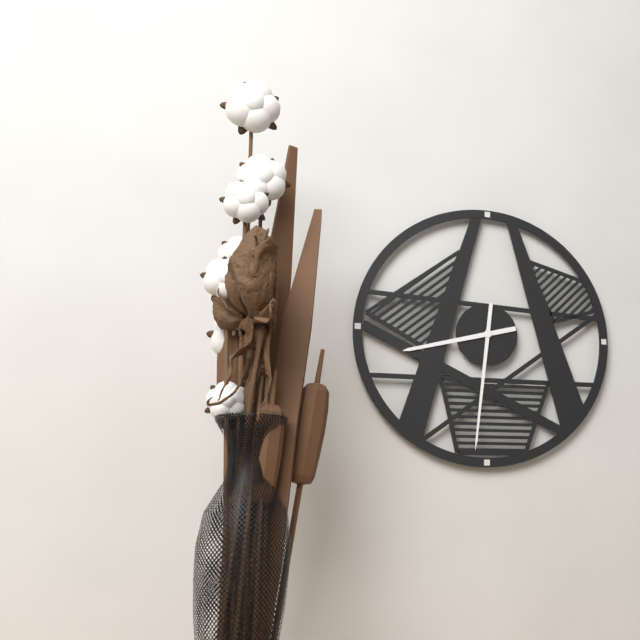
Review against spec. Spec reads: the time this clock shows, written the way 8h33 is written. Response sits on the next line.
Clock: 8h31
